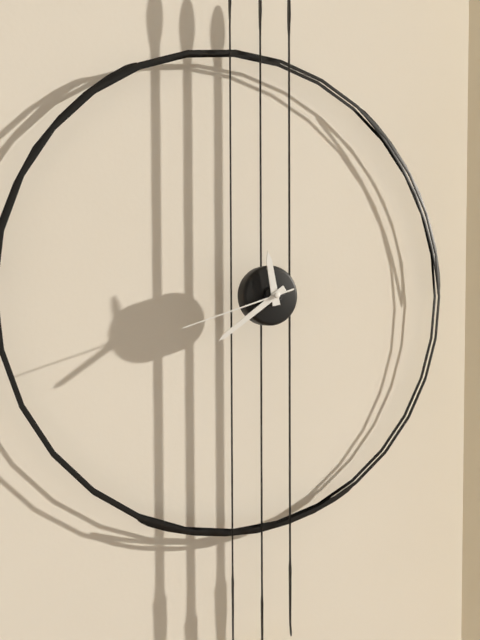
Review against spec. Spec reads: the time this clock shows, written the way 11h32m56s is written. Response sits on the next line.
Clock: 11h39m42s
